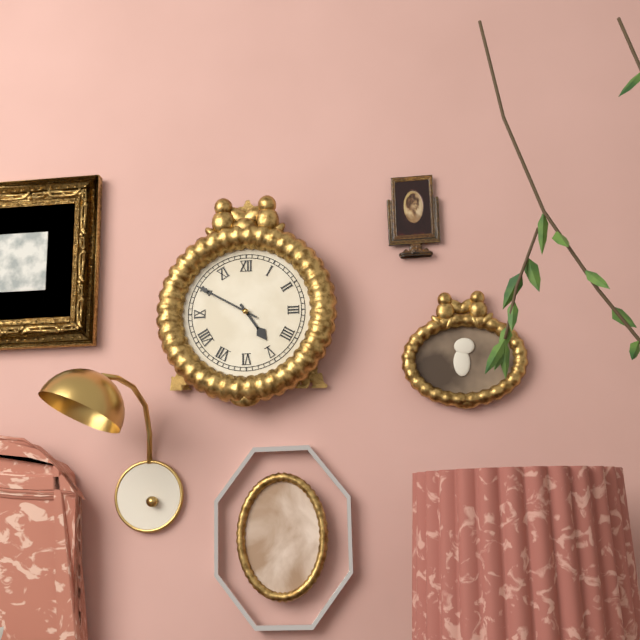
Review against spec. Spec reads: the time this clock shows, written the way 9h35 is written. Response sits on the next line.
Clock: 4h50
